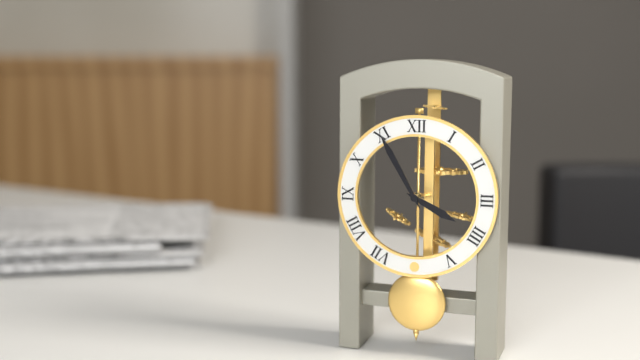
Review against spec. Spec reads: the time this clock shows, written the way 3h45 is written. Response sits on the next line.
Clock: 3h55
